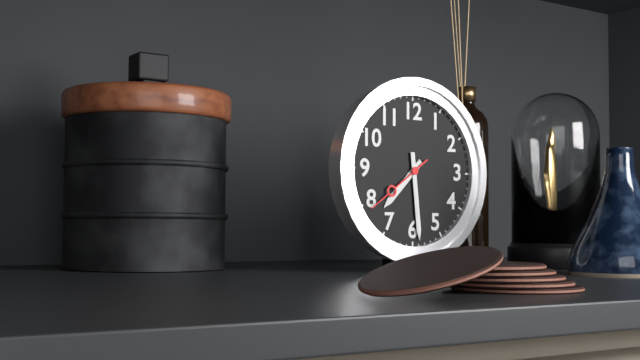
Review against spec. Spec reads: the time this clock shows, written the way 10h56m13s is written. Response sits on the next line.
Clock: 7h29m39s
